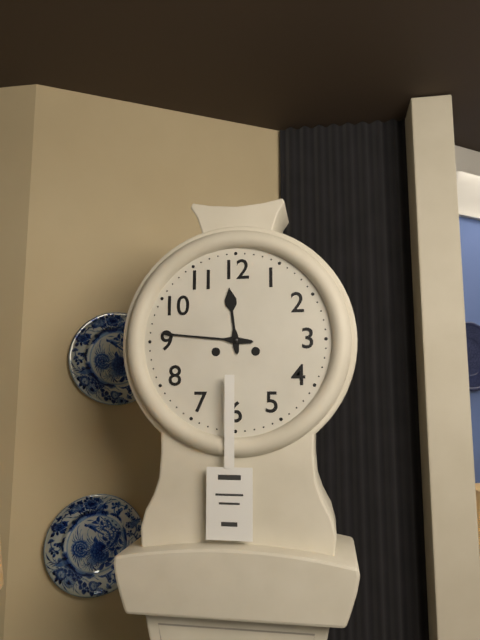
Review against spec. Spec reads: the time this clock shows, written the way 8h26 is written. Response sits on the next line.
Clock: 11h46
